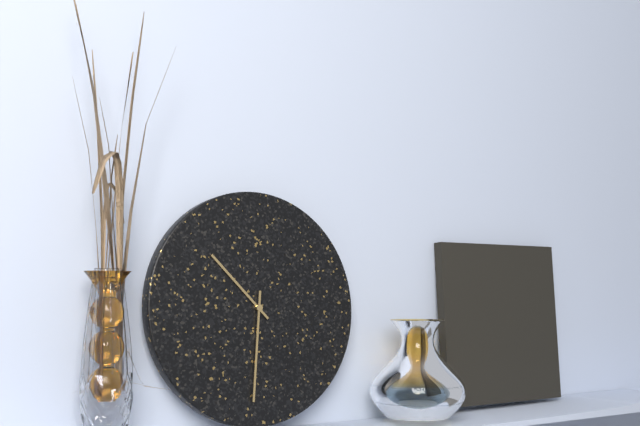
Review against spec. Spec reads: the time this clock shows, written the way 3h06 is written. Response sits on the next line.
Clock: 10h31
